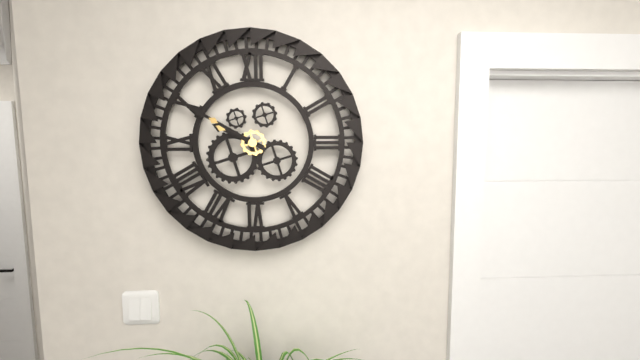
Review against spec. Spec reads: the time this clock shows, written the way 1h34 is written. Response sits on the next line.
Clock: 9h50
